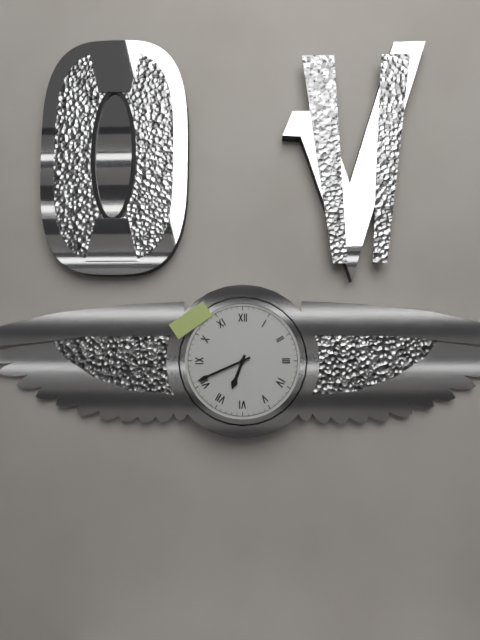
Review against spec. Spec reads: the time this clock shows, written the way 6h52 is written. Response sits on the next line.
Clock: 6h41
